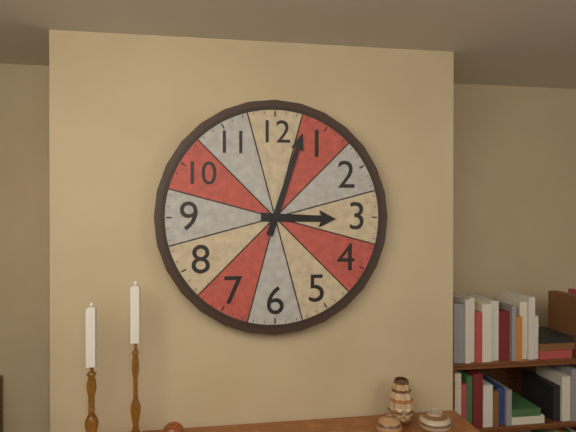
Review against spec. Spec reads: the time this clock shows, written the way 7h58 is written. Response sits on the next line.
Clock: 3h03
